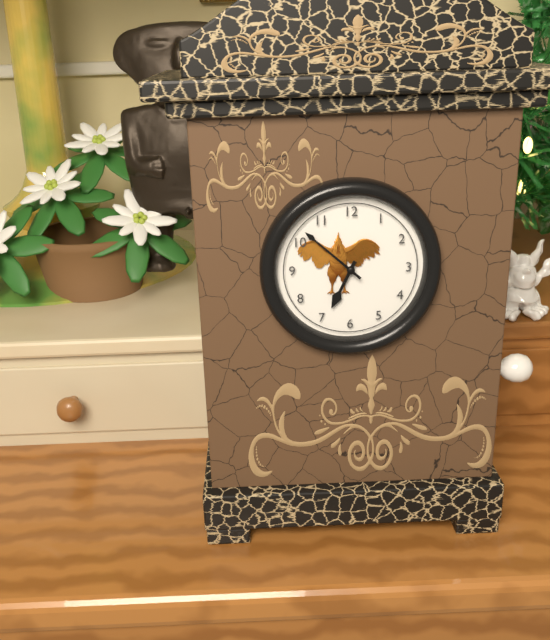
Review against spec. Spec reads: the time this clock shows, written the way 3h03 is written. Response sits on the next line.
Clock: 6h52
